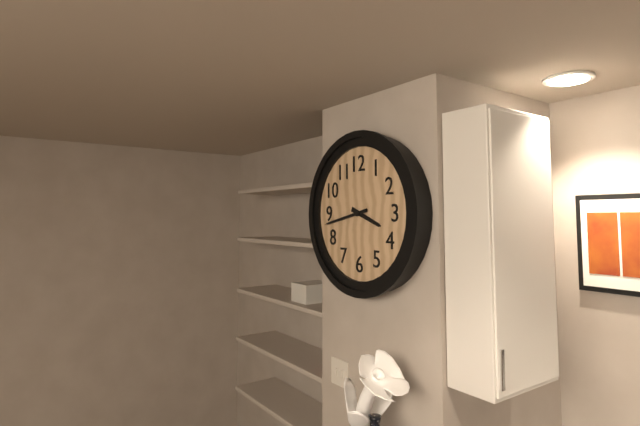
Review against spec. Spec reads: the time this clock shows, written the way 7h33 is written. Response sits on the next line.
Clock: 3h43
